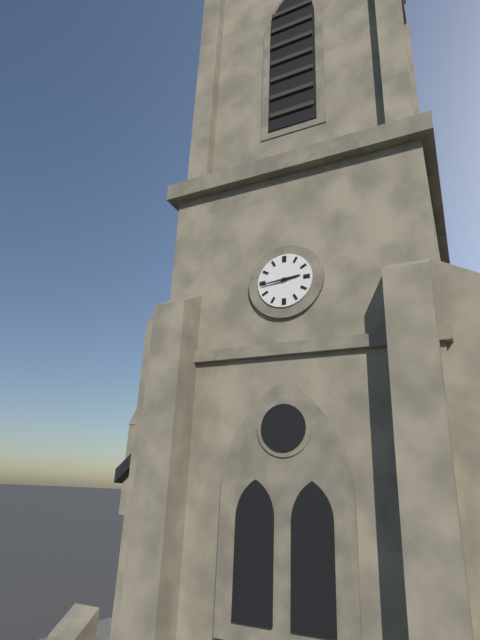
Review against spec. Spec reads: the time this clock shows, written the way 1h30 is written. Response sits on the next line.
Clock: 2h44
